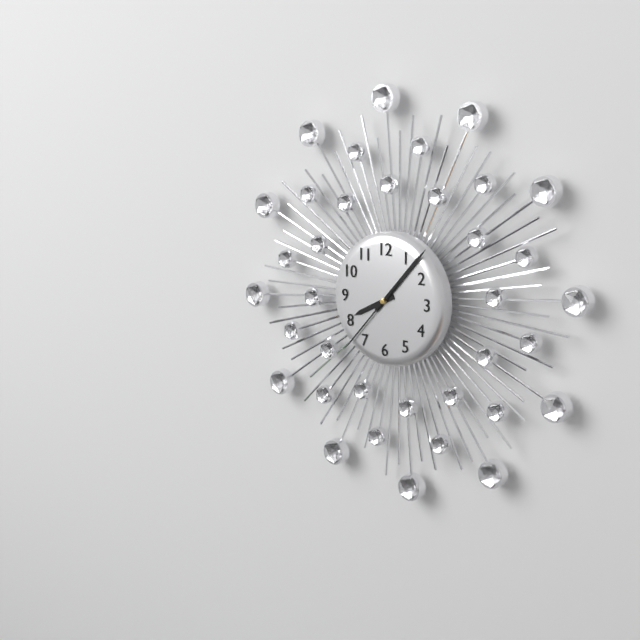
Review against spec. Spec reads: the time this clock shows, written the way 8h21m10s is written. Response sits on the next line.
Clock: 8h07m37s
